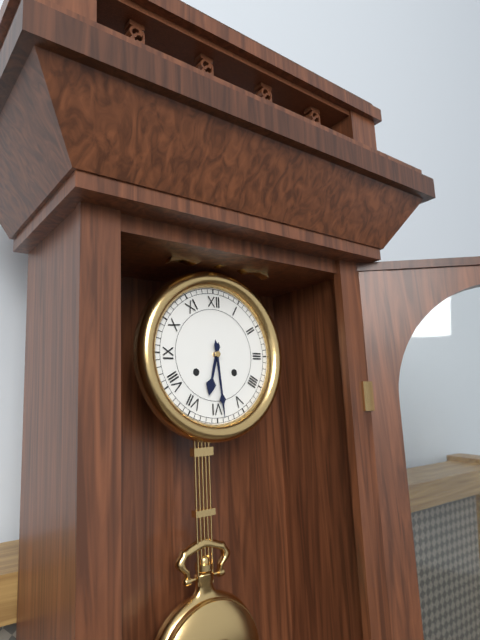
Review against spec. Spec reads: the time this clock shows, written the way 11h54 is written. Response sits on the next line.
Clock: 6h29
